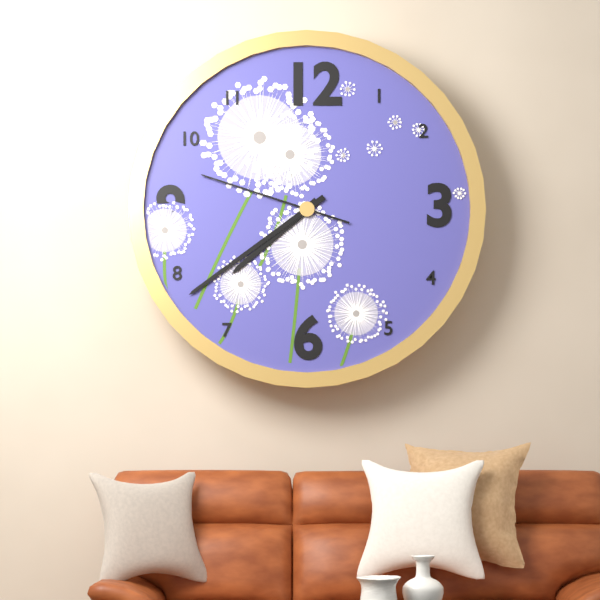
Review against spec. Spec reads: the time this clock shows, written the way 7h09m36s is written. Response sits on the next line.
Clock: 7h39m48s
